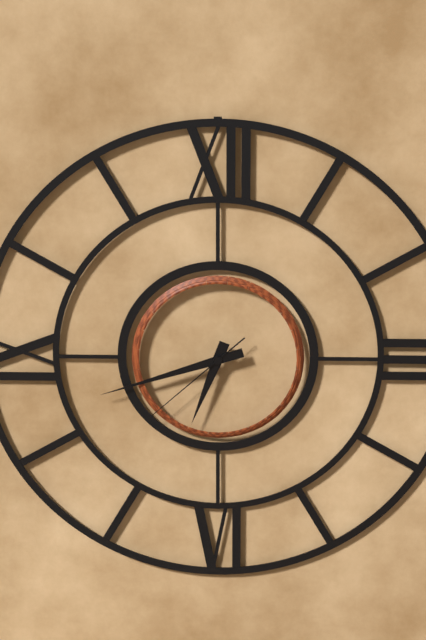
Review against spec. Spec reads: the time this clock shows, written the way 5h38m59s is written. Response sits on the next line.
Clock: 6h42m38s
